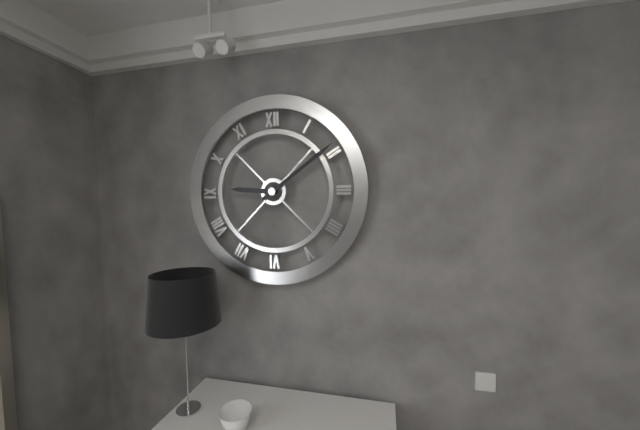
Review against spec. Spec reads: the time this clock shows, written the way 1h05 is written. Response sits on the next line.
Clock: 9h09
